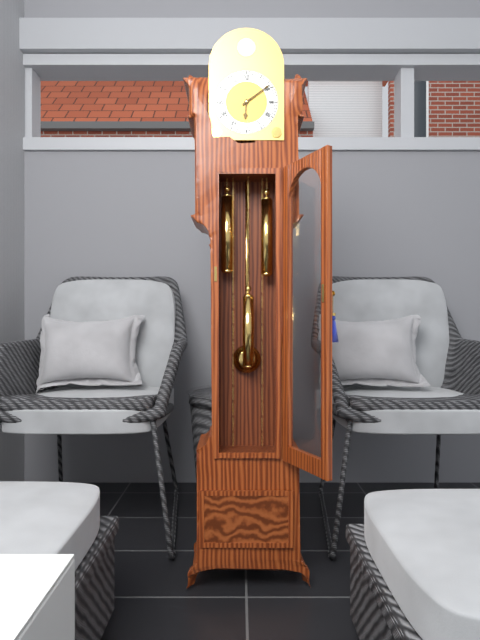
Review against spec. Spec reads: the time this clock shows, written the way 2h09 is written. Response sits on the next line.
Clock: 6h09
